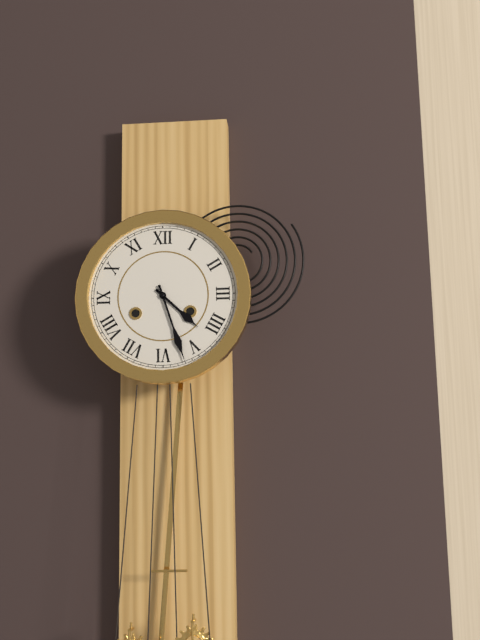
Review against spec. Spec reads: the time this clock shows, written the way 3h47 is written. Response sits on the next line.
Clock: 4h27
